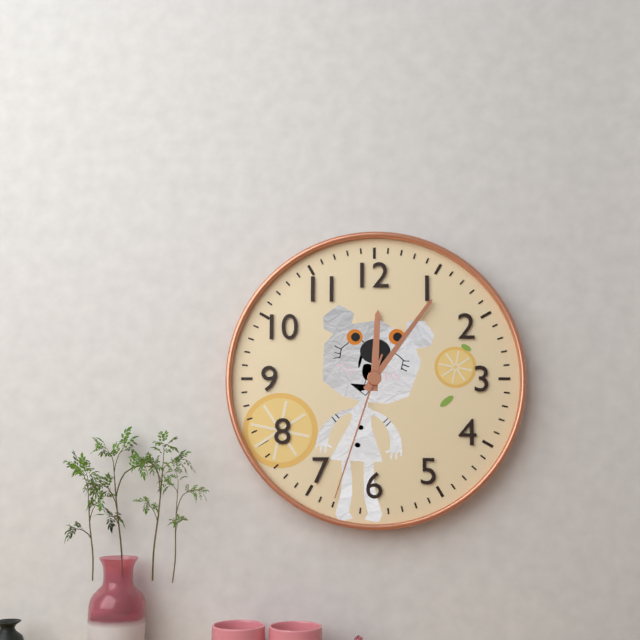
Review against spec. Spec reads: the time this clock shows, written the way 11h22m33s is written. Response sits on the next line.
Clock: 12h06m33s
